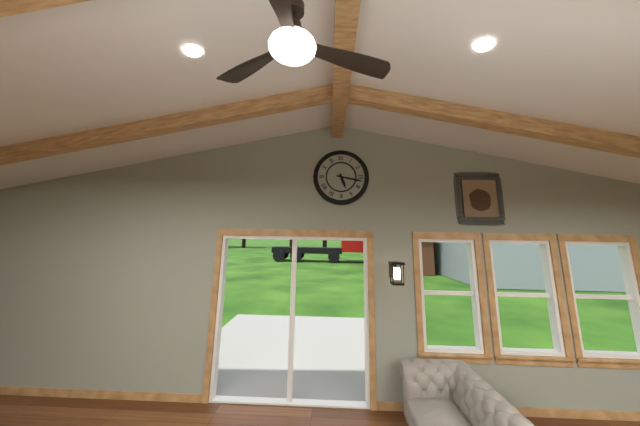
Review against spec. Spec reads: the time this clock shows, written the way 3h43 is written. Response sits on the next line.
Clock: 5h17
